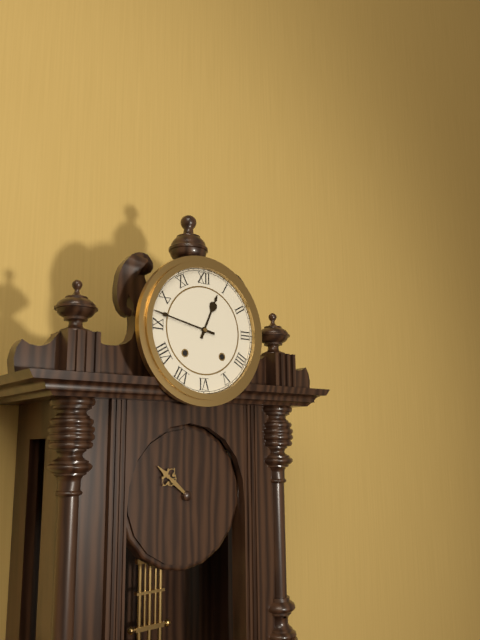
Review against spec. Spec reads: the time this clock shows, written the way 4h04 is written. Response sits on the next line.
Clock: 12h47
